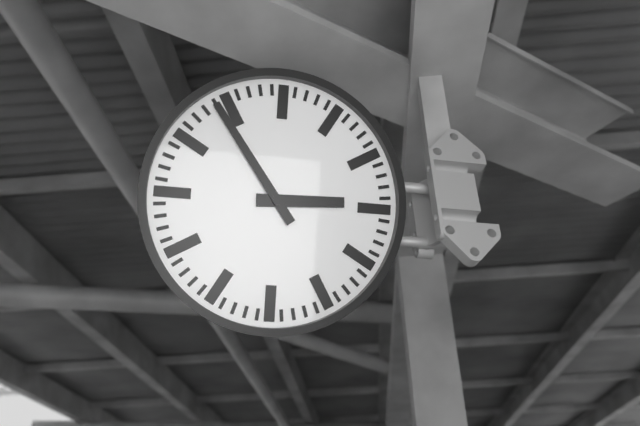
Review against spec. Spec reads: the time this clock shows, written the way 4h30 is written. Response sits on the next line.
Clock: 2h54
